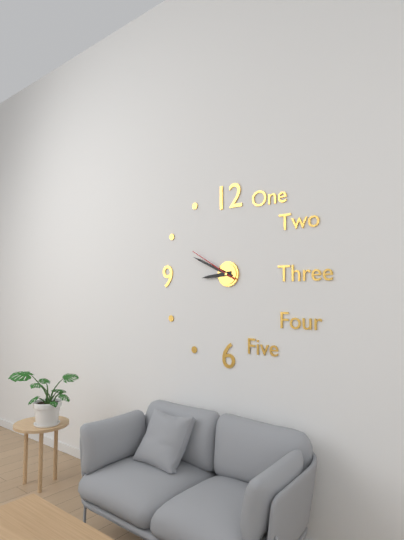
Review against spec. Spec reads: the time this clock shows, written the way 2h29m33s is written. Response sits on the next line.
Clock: 8h49m50s
